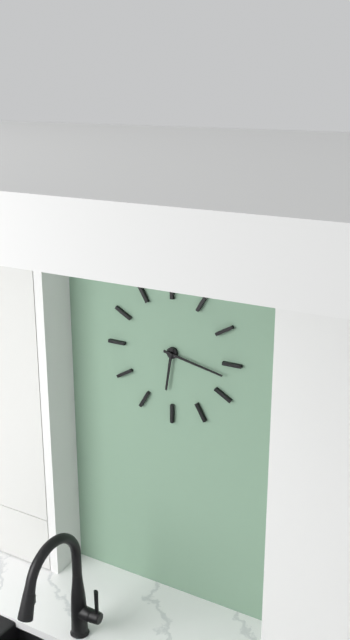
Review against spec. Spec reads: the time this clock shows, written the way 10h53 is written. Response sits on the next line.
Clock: 6h17
